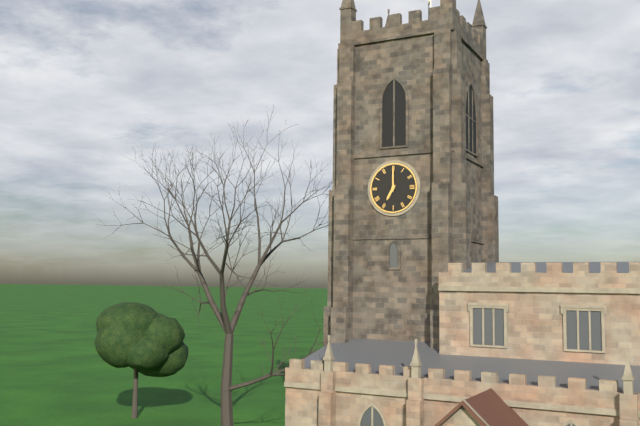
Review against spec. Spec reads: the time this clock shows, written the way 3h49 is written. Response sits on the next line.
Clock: 7h00
